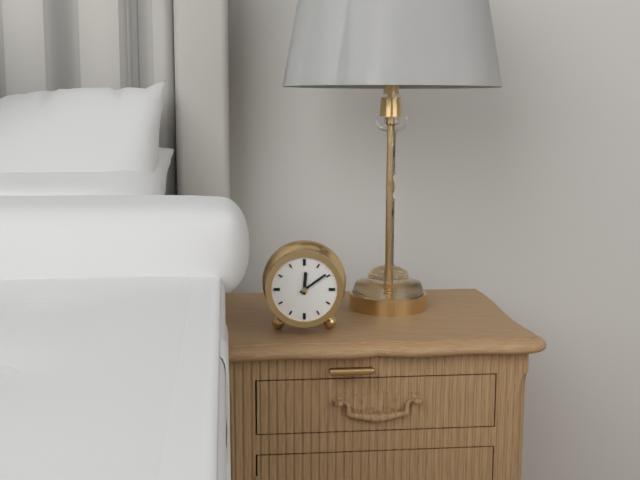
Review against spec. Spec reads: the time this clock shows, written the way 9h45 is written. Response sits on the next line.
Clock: 12h09
